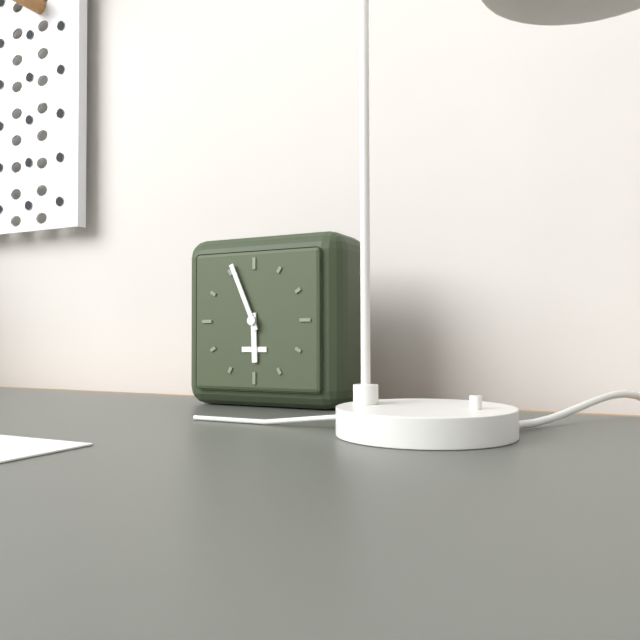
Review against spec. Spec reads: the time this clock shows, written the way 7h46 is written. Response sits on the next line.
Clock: 5h56
